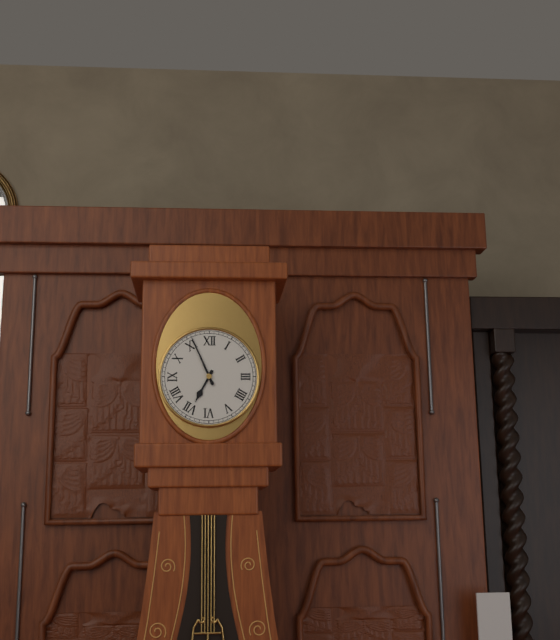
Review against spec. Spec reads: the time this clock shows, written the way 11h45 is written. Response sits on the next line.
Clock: 6h56
